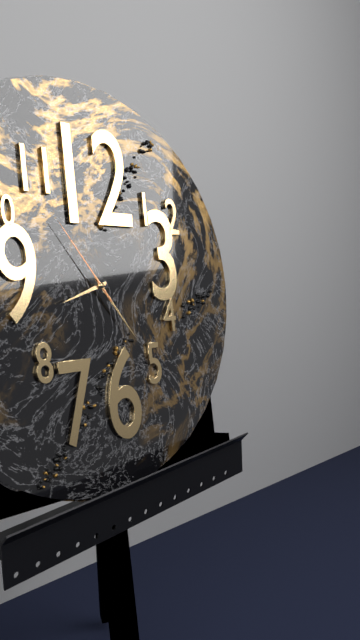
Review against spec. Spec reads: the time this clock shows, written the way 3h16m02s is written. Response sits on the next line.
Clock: 8h24m54s
